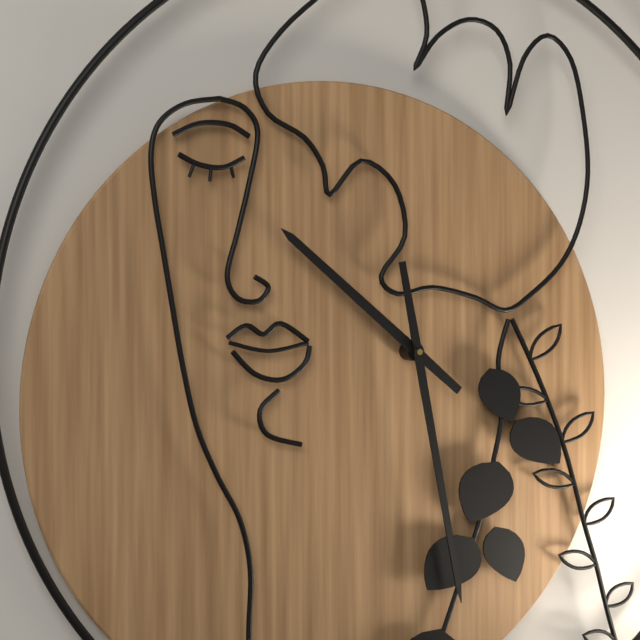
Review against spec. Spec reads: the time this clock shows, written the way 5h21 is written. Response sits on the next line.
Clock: 10h29
